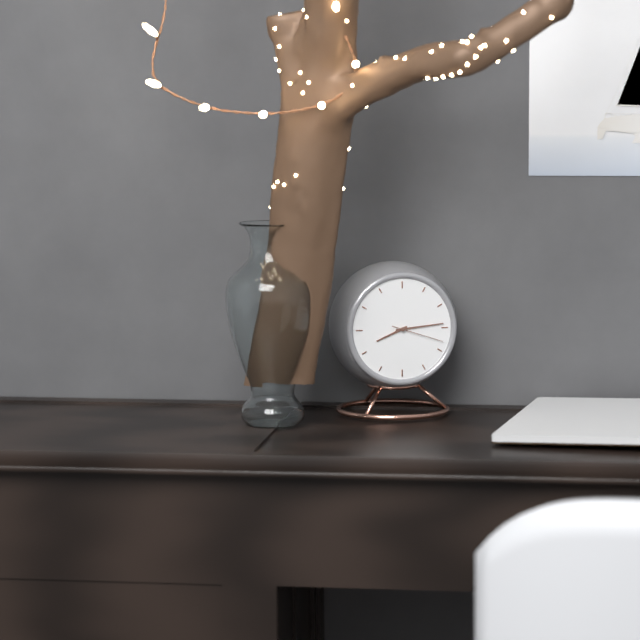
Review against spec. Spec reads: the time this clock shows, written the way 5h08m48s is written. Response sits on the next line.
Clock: 8h14m18s
